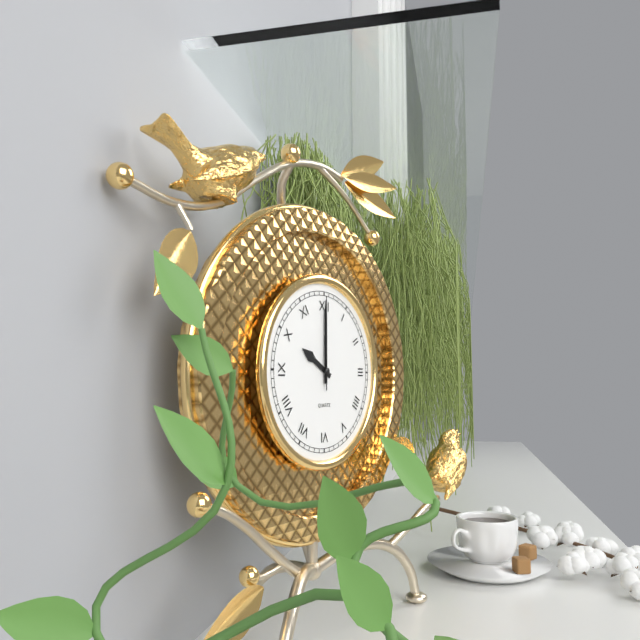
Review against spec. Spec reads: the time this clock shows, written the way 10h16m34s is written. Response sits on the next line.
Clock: 10h00m00s
